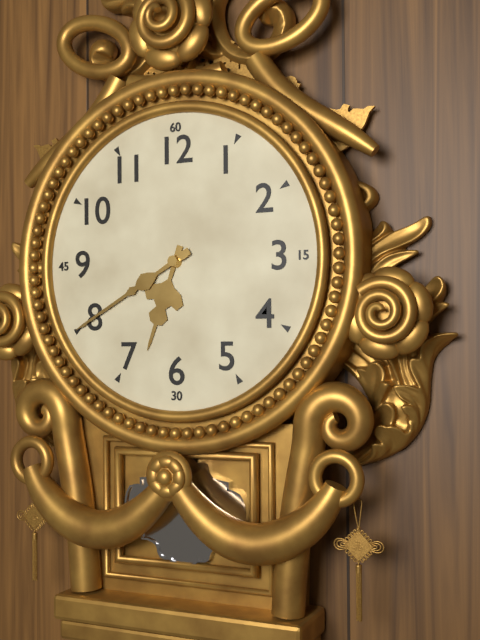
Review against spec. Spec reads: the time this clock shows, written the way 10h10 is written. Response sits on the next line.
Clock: 6h40
